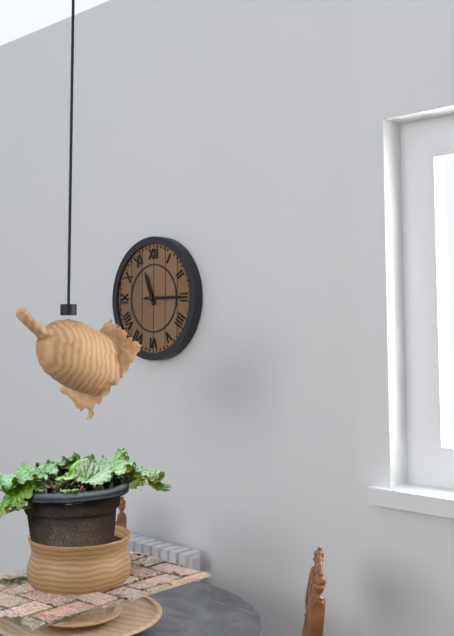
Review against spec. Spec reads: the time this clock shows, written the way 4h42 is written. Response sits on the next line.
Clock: 11h15
